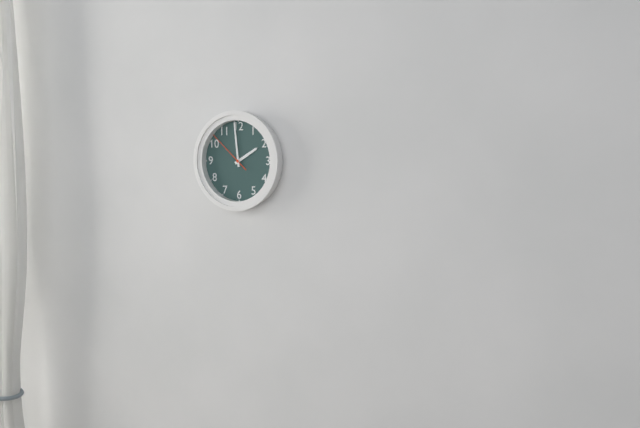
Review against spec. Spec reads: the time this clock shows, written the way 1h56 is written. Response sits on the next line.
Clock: 1h59
